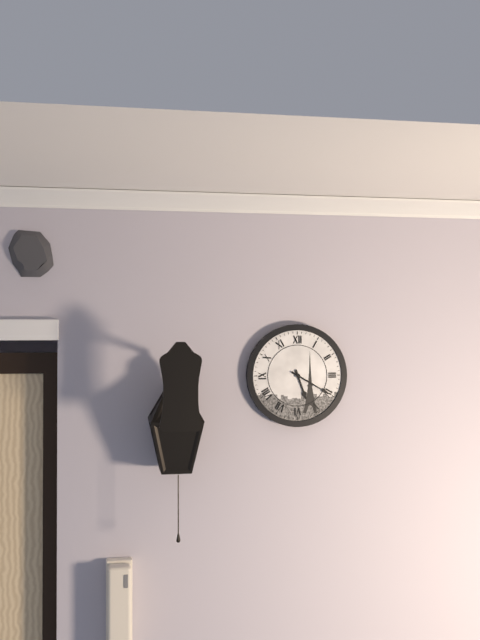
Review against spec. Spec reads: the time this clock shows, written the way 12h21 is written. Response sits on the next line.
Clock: 5h20
